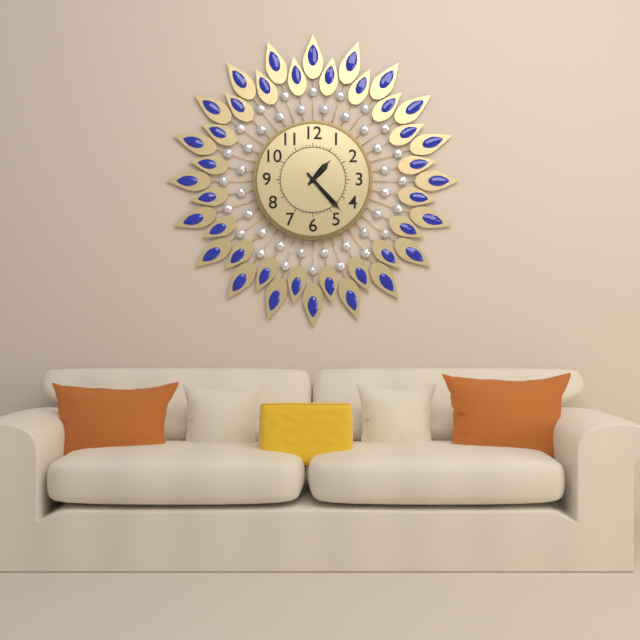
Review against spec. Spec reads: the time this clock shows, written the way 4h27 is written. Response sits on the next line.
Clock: 1h23
